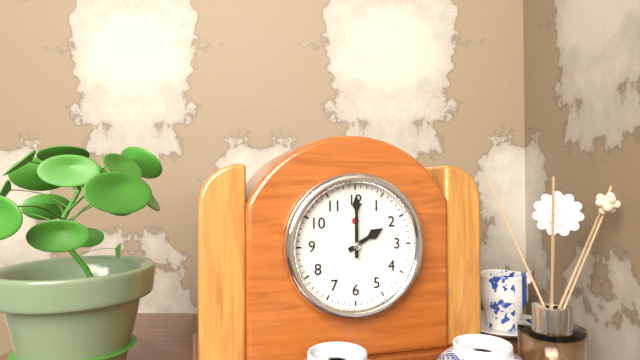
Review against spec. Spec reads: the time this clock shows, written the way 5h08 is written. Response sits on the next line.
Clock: 2h00
